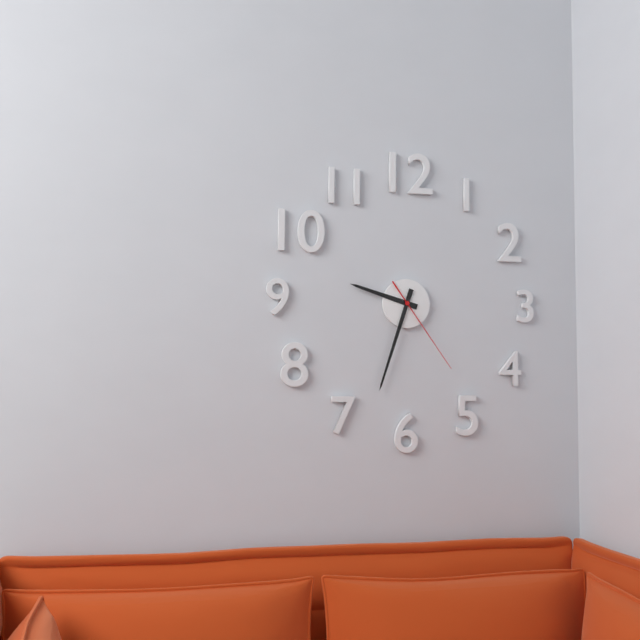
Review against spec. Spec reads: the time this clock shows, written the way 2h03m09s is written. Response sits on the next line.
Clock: 9h33m24s
